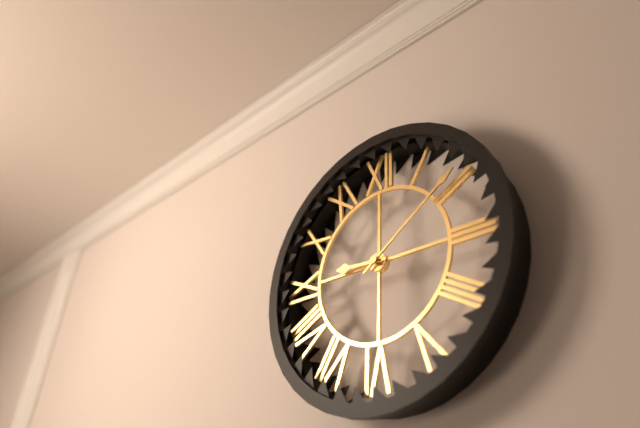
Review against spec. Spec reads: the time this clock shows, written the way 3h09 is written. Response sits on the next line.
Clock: 9h09
